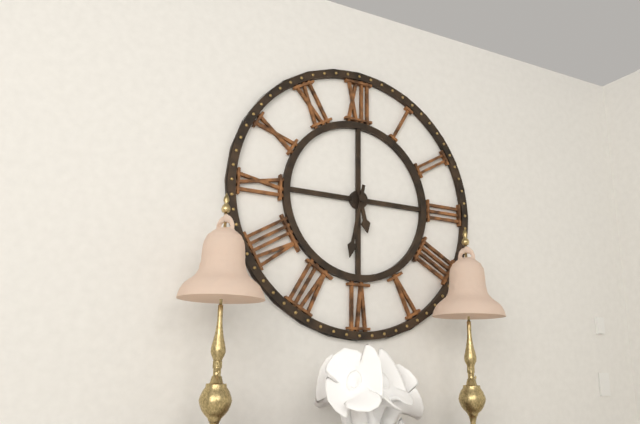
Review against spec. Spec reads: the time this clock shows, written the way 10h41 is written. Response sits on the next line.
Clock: 5h32
